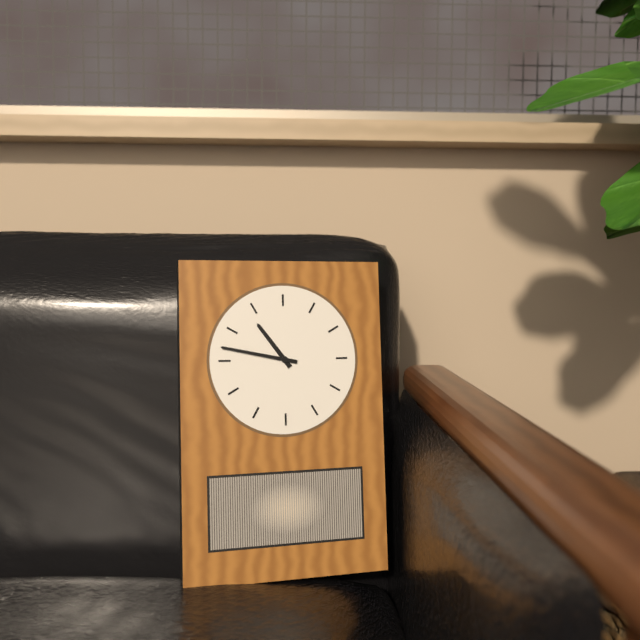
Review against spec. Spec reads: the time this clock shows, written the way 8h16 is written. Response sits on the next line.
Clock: 10h47
